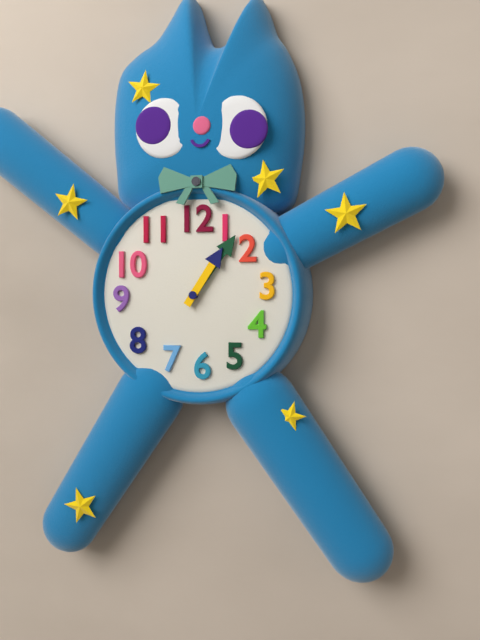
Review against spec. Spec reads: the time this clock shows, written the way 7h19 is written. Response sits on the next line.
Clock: 1h06
